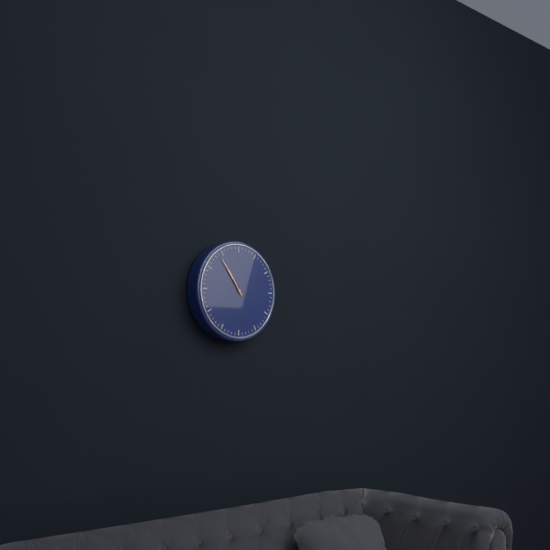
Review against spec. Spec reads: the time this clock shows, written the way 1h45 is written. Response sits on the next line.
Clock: 10h54
